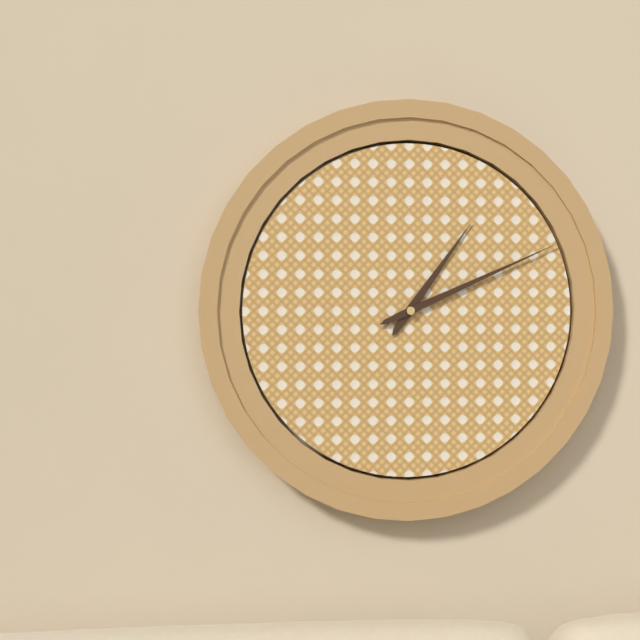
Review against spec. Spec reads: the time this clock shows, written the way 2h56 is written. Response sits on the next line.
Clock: 1h11
